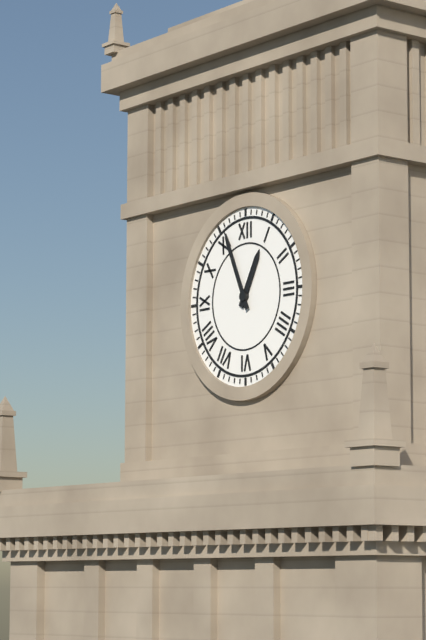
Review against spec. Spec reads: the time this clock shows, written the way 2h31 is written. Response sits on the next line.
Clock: 12h56
